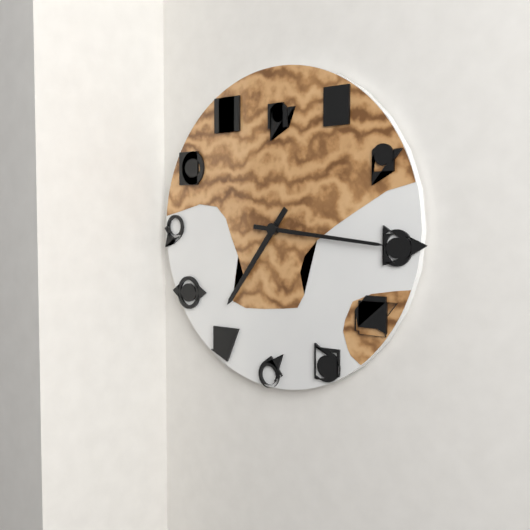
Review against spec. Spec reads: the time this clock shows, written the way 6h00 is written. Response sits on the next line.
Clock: 7h16
